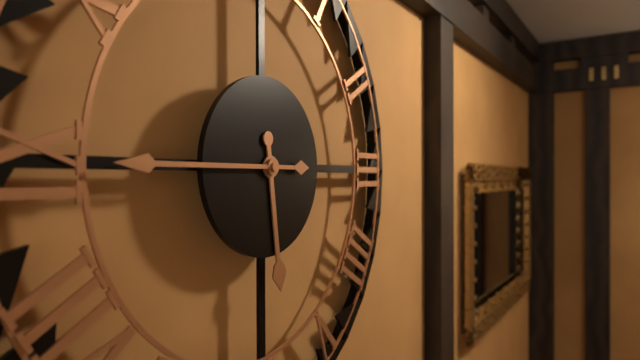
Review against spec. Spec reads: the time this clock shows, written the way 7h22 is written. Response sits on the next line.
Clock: 5h45
